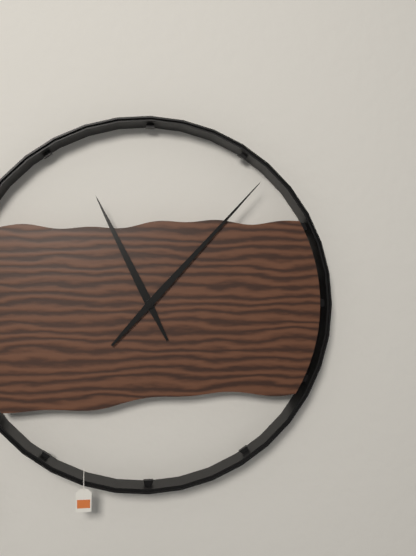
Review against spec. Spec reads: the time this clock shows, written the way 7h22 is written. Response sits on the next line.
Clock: 11h07
